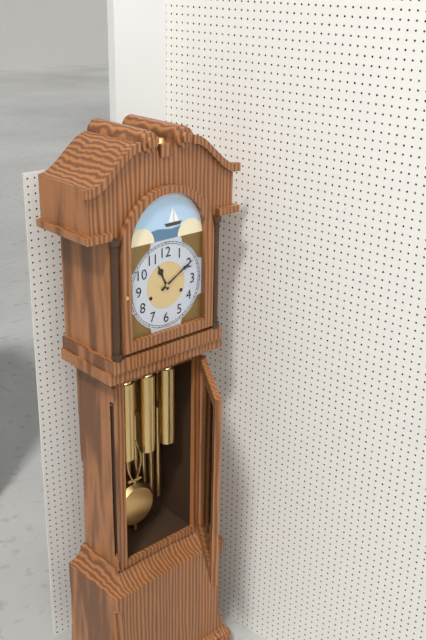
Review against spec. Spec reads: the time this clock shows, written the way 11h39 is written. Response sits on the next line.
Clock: 11h10
